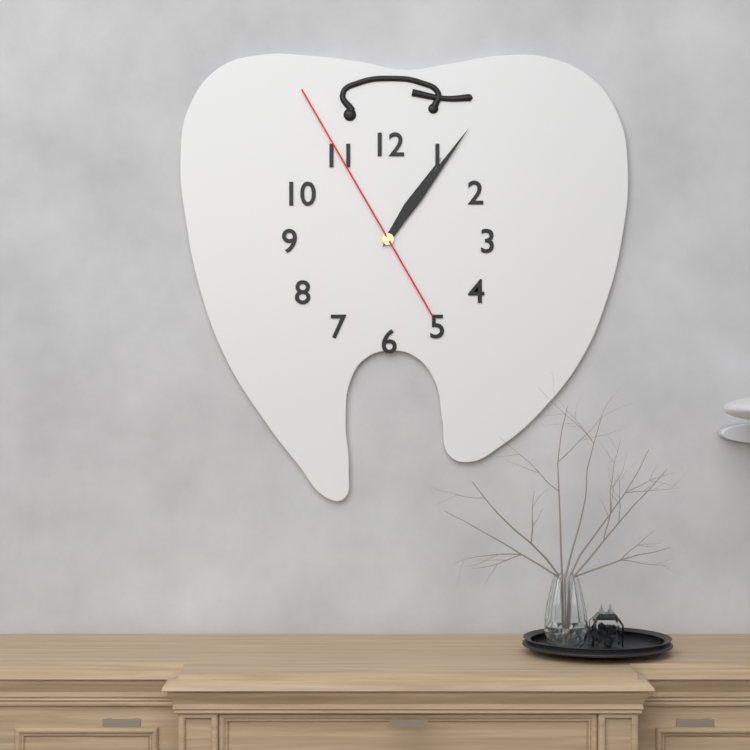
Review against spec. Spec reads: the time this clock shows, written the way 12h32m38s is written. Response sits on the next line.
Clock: 1h06m55s
